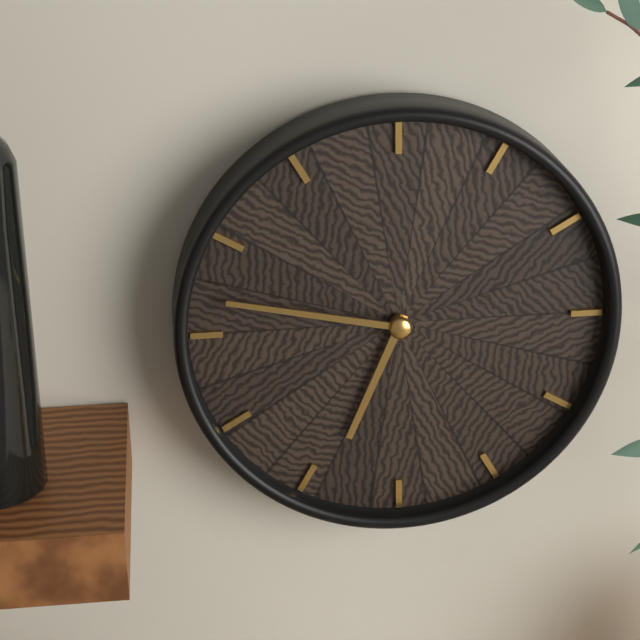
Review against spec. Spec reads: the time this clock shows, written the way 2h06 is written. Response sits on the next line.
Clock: 6h47
